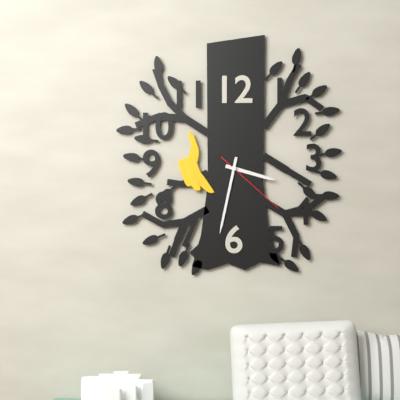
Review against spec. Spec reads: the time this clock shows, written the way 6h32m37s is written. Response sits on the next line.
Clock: 3h32m22s
